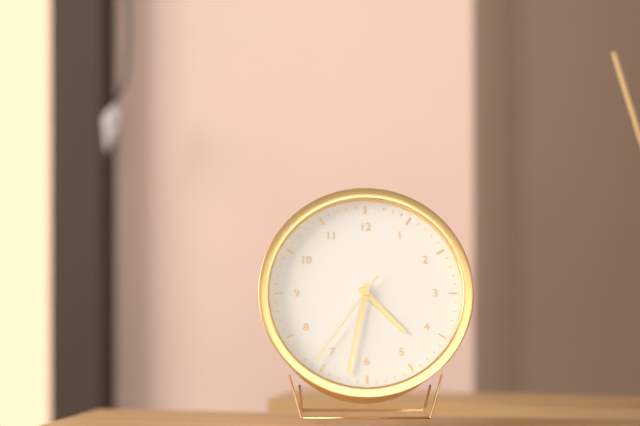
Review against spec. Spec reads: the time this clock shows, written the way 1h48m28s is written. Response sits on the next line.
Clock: 4h32m36s
